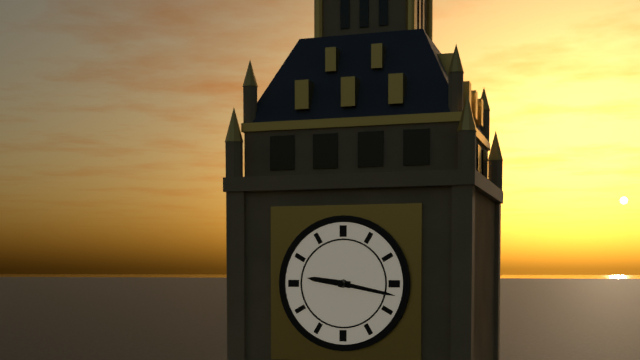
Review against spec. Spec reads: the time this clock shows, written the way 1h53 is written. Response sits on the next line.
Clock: 9h17
